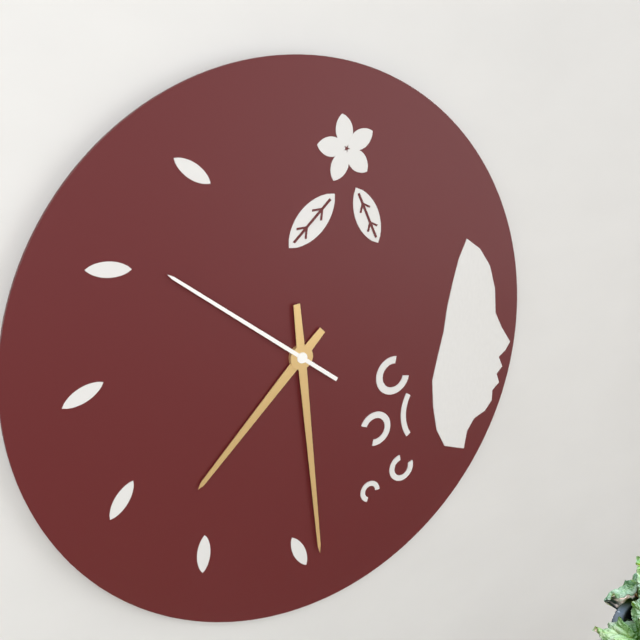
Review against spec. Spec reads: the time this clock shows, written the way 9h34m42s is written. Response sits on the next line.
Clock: 7h29m51s
